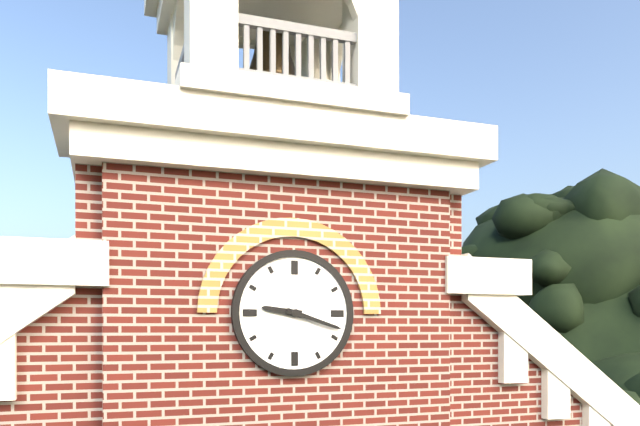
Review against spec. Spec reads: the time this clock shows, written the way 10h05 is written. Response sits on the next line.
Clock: 9h18
